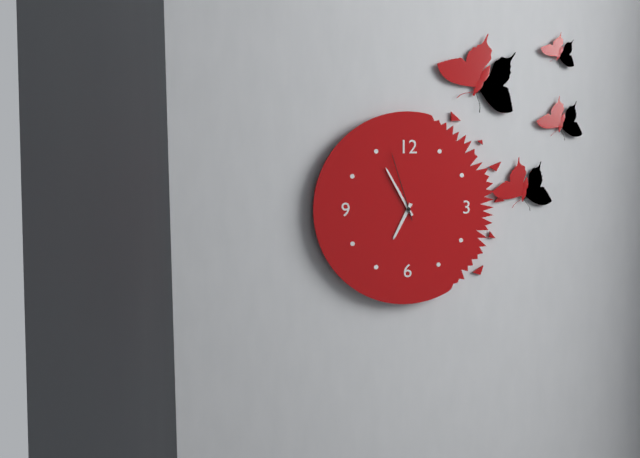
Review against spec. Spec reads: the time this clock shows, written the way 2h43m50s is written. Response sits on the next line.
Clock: 6h55m57s
